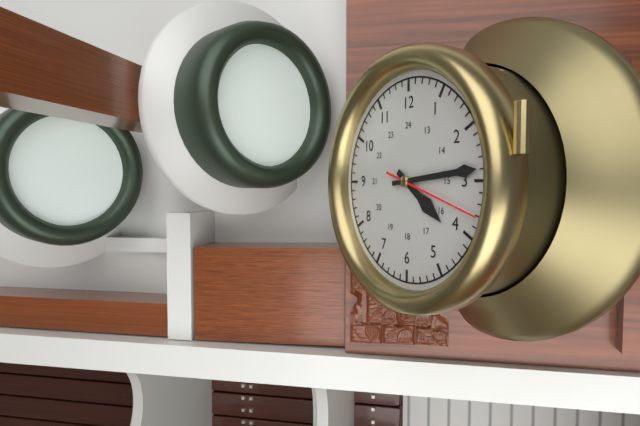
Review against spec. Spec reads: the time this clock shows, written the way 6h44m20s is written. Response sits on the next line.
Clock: 4h14m18s
